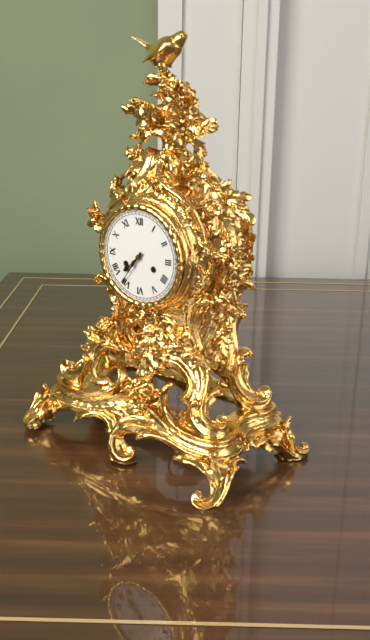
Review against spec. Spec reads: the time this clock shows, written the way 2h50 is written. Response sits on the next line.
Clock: 7h36
